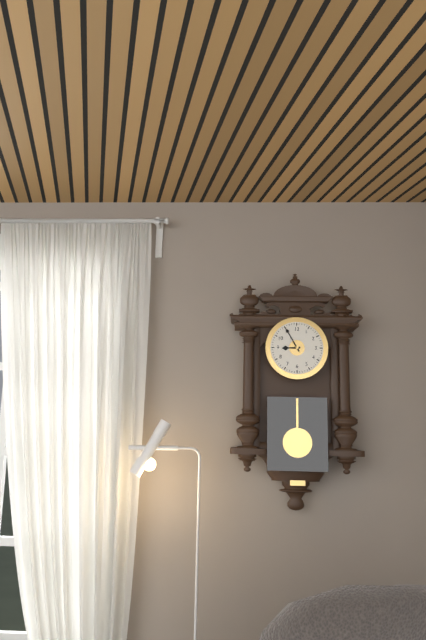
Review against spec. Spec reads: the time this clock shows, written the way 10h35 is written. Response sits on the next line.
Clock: 8h55
